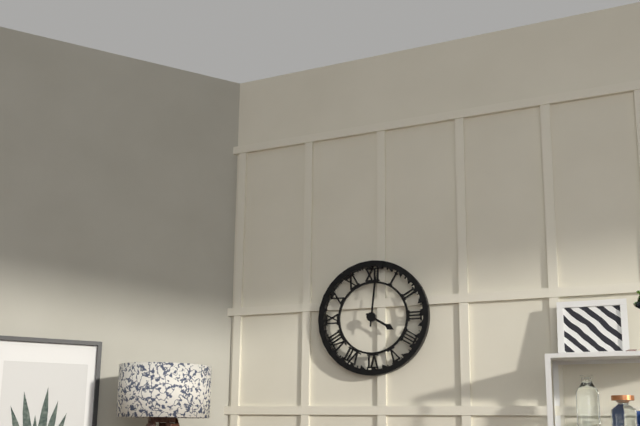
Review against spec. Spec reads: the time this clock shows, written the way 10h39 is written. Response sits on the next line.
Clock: 4h01
